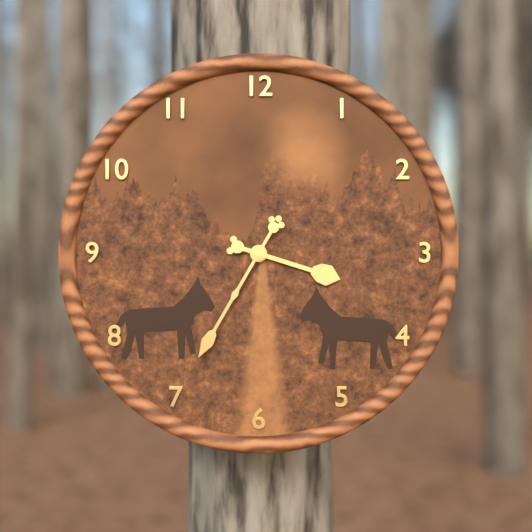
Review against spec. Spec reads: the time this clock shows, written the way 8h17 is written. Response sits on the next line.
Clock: 3h35
